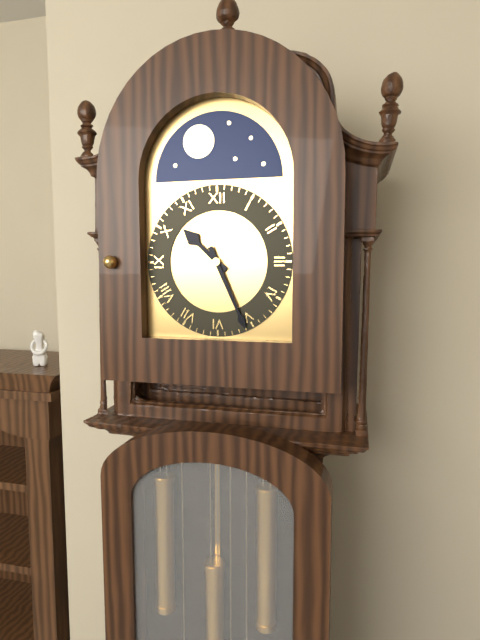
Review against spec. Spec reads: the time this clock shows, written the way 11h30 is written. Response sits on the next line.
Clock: 10h26
